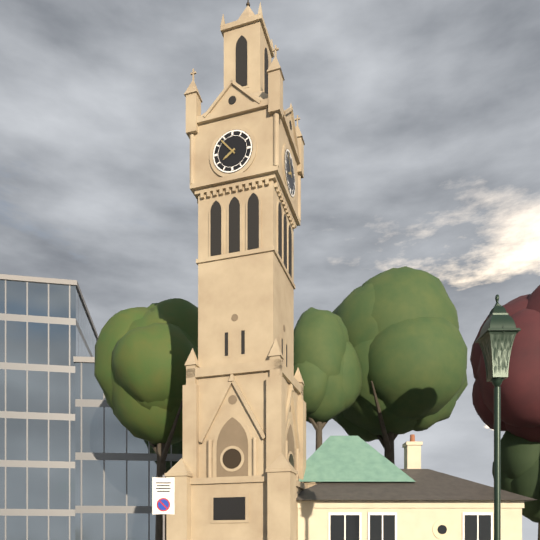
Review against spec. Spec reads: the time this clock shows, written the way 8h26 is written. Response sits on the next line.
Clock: 7h53
